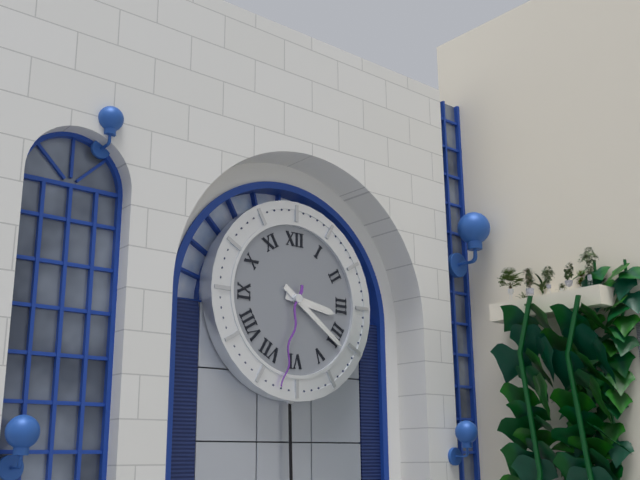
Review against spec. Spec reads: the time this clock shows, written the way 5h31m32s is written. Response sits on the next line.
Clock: 3h21m32s
